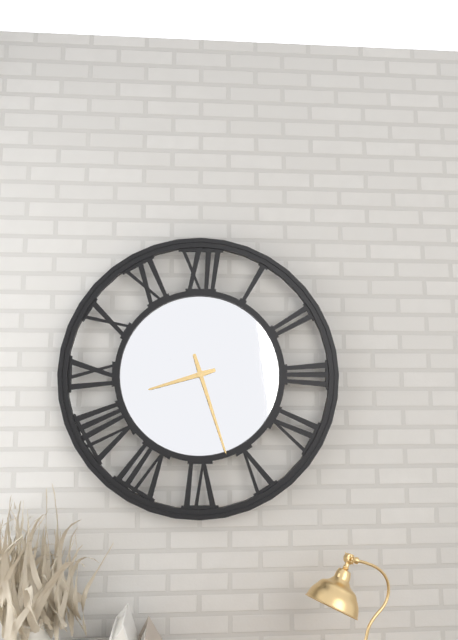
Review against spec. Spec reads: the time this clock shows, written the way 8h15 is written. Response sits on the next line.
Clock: 8h27
